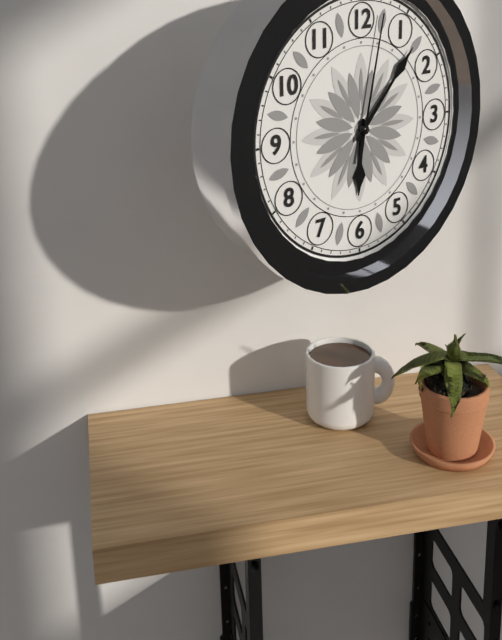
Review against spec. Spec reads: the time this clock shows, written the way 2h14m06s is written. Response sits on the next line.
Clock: 6h07m02s
